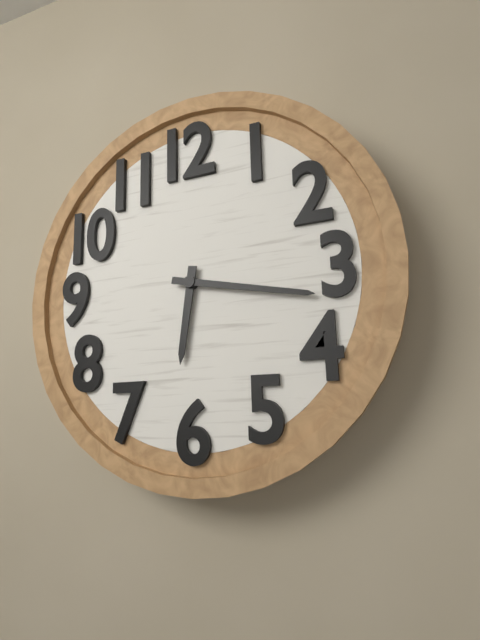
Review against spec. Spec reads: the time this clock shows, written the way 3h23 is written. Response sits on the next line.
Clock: 6h17
